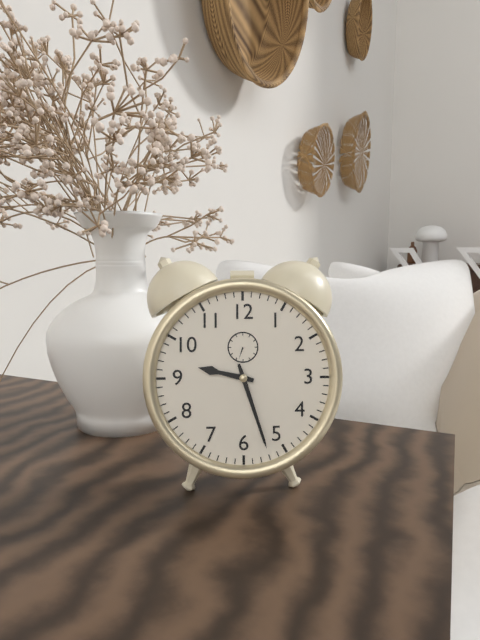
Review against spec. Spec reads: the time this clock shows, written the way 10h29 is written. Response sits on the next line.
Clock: 9h27
